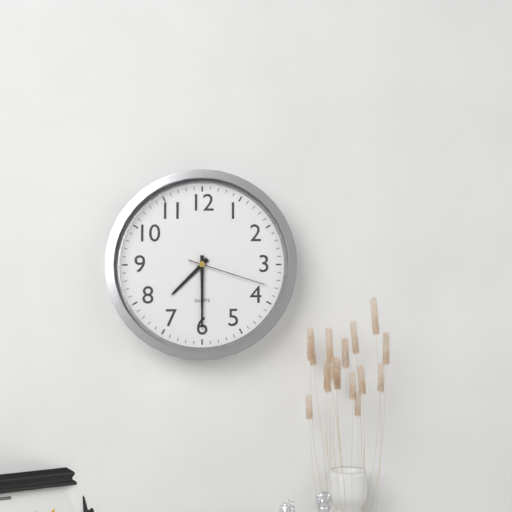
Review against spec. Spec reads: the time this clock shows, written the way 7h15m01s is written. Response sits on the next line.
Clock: 7h30m18s
